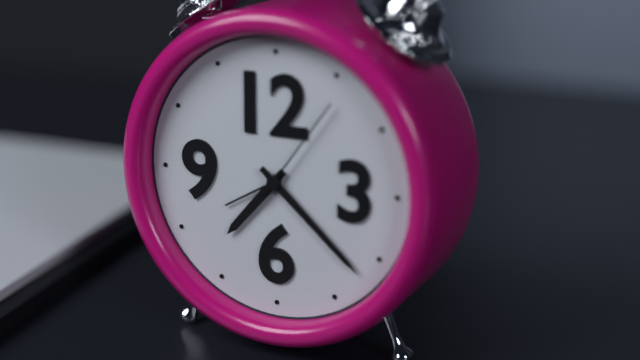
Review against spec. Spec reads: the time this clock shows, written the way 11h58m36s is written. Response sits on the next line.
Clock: 7h22m06s
